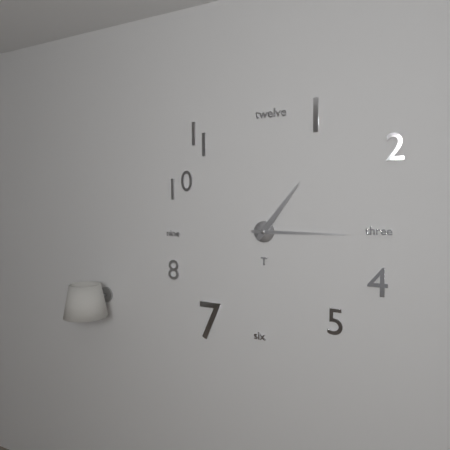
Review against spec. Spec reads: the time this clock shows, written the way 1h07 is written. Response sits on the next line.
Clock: 1h15
